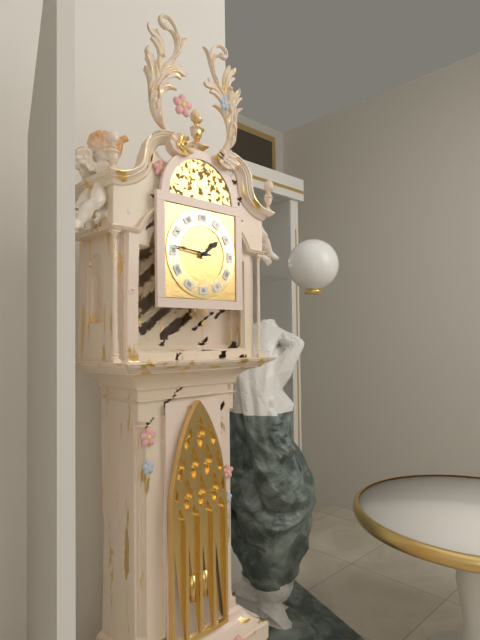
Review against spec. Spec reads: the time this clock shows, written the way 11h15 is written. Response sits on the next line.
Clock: 1h46
